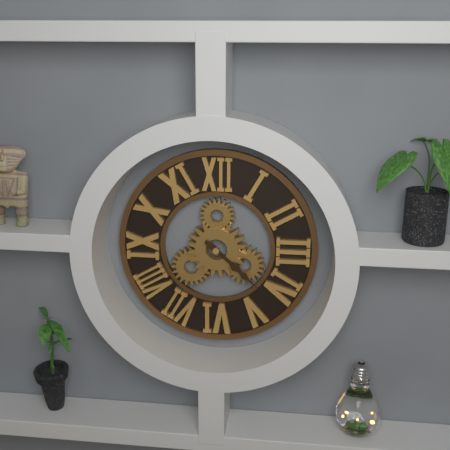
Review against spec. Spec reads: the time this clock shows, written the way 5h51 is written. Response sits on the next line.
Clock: 4h22
